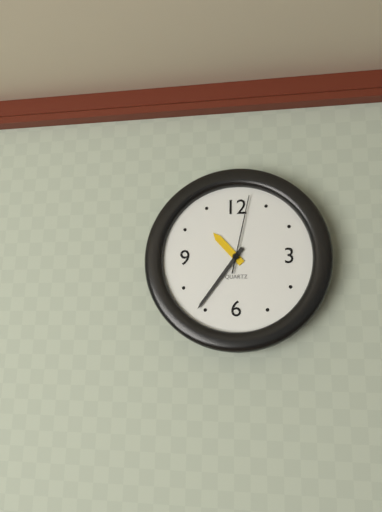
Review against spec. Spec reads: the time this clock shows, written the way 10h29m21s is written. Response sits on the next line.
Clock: 10h36m02s
